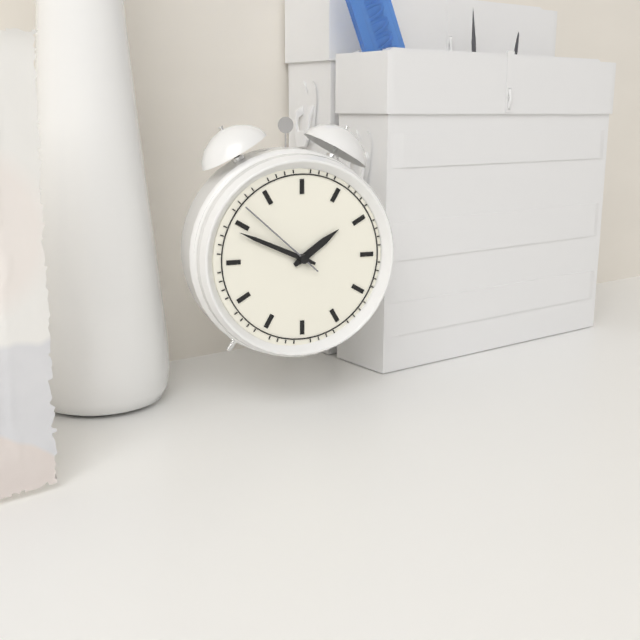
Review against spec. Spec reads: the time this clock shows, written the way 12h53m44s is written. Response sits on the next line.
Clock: 1h49m52s
